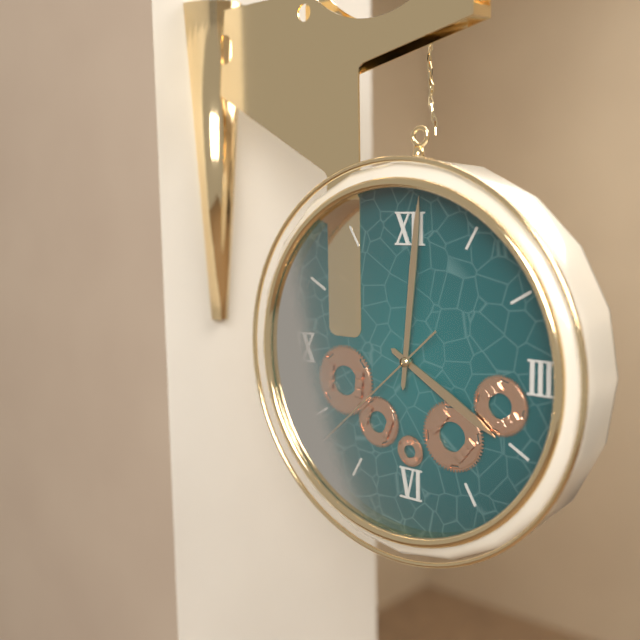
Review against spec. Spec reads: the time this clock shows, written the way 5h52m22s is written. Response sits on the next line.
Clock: 4h01m38s
